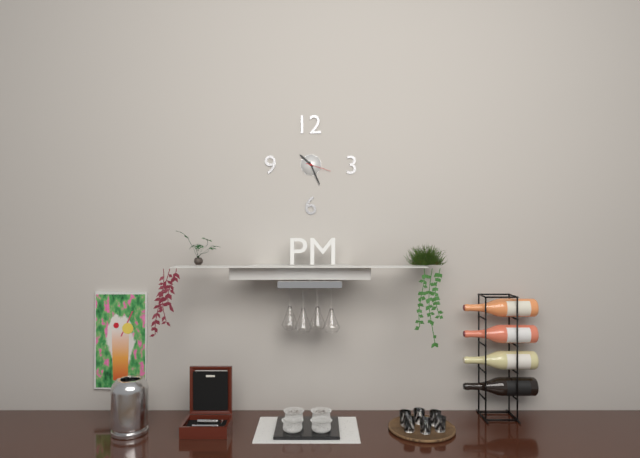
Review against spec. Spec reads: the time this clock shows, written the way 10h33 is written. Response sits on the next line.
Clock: 10h26
